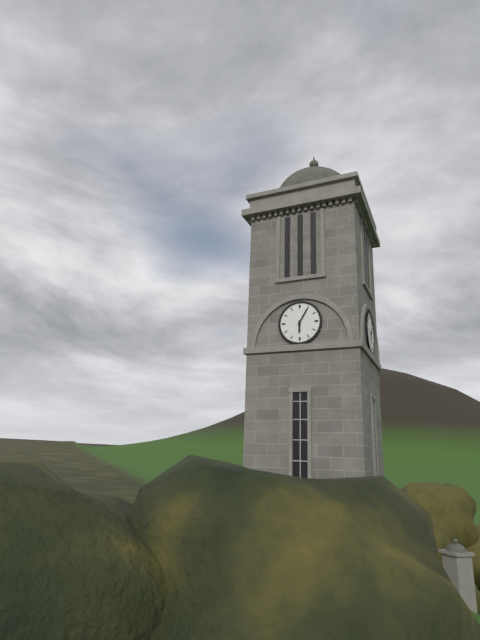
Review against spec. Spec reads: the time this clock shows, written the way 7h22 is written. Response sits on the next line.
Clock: 6h05
